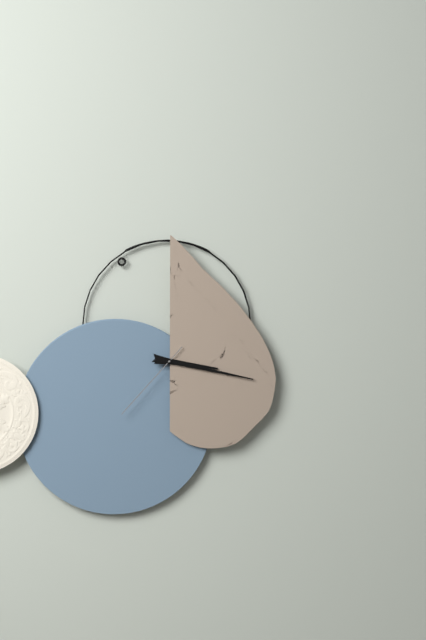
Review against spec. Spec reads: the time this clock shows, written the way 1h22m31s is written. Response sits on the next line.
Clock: 3h17m37s
